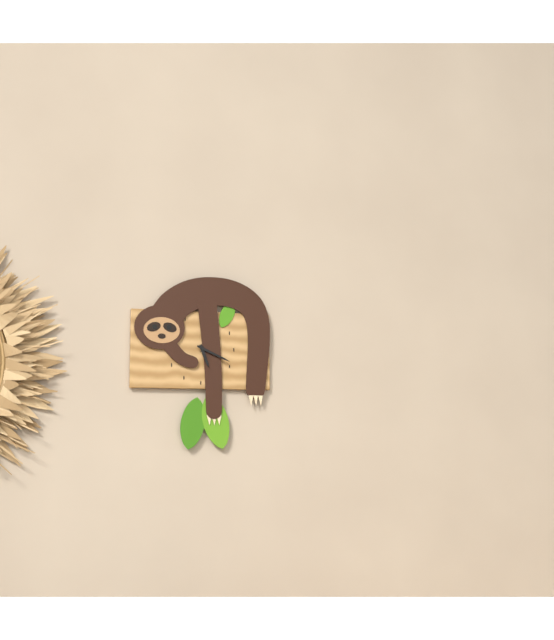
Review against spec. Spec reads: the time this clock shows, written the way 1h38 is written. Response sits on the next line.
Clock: 5h19
